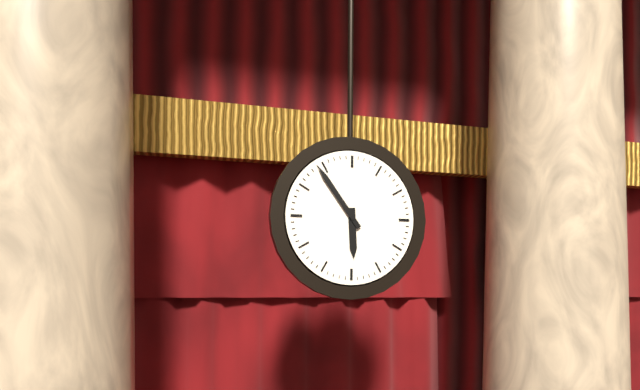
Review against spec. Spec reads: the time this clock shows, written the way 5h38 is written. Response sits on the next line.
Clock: 5h54
